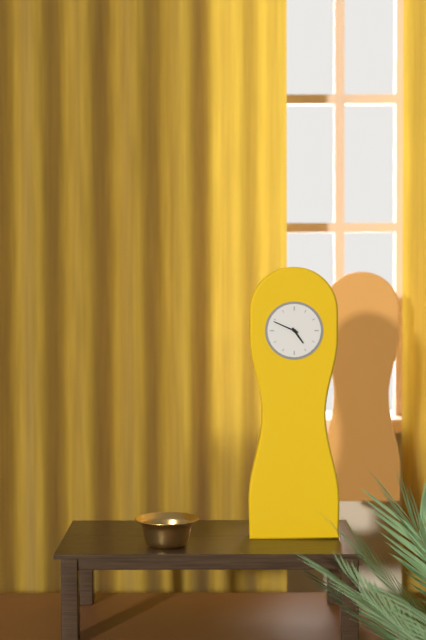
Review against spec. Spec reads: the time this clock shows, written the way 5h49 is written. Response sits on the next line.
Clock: 4h49
